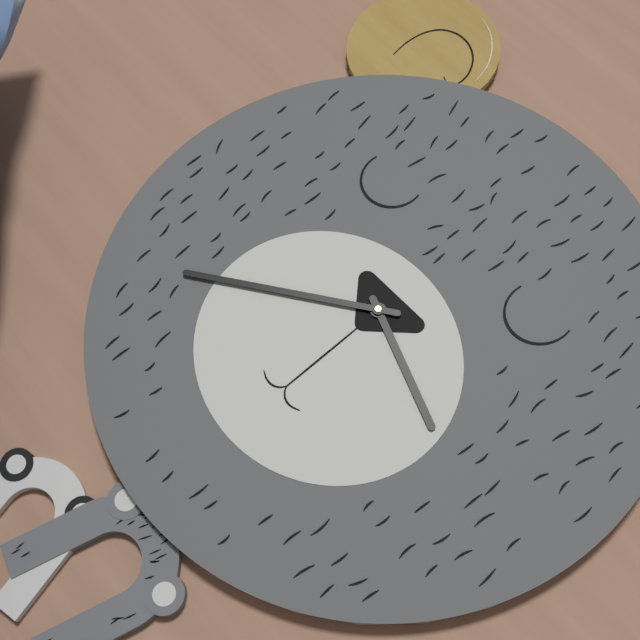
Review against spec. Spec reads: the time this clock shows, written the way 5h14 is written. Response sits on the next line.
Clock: 3h39
